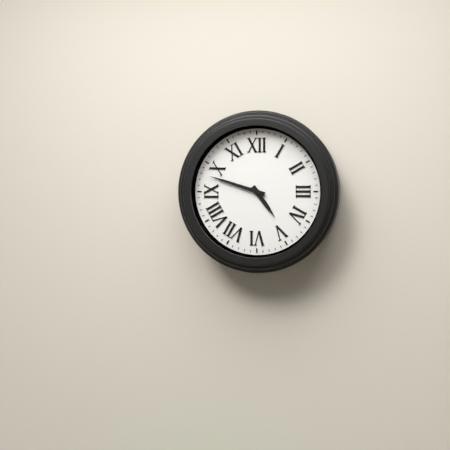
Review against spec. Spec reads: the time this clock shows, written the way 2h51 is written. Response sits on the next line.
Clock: 4h48
